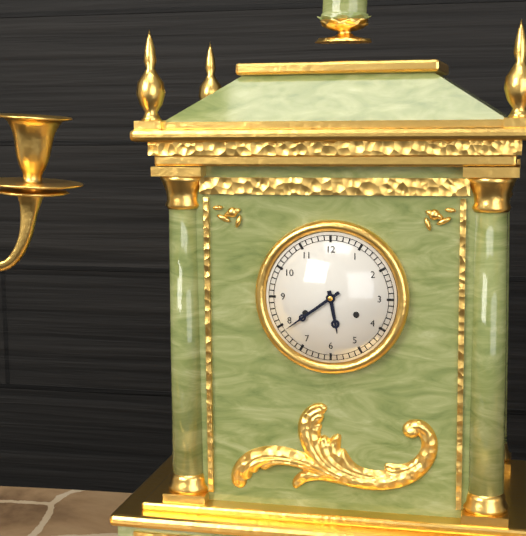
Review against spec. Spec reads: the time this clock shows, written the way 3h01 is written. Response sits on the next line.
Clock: 5h39
